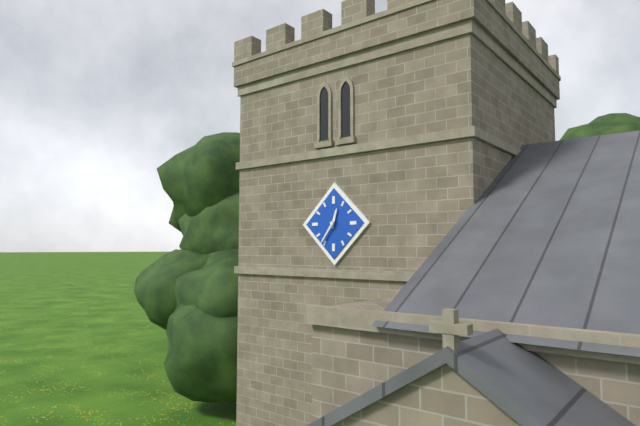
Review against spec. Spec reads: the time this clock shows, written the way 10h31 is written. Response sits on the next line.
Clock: 12h36
